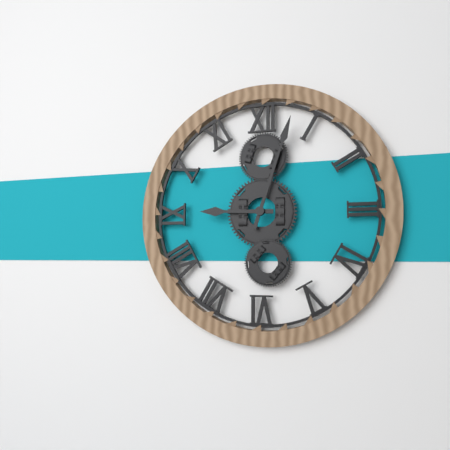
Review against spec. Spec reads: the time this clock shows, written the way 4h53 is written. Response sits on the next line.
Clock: 9h03
